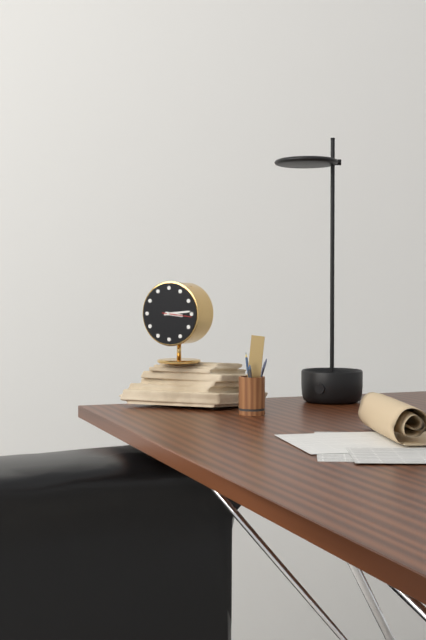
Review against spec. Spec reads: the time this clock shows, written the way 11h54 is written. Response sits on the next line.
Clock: 3h14
